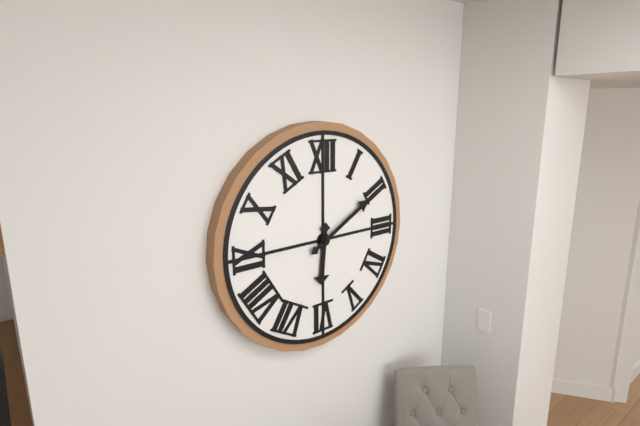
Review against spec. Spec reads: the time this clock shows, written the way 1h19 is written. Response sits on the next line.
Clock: 6h10
